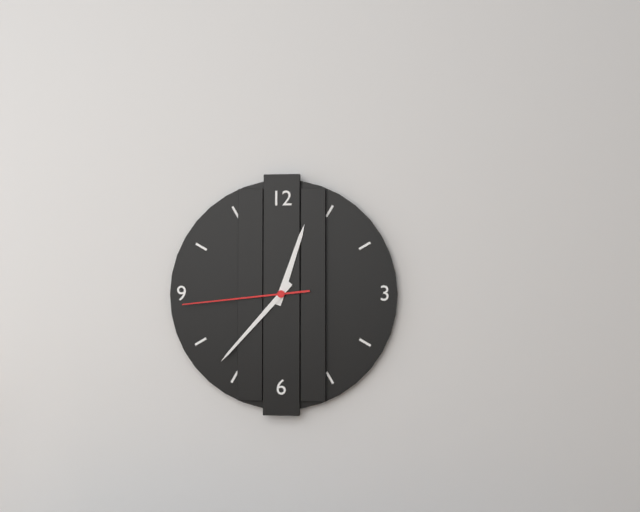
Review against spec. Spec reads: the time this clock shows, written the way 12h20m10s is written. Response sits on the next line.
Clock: 12h37m44s
